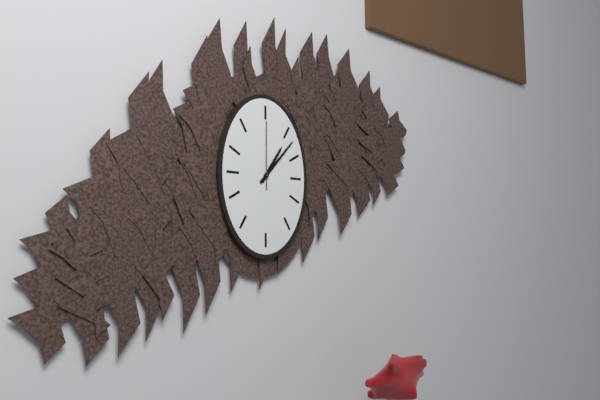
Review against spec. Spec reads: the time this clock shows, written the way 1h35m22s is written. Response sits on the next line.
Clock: 1h07m00s
